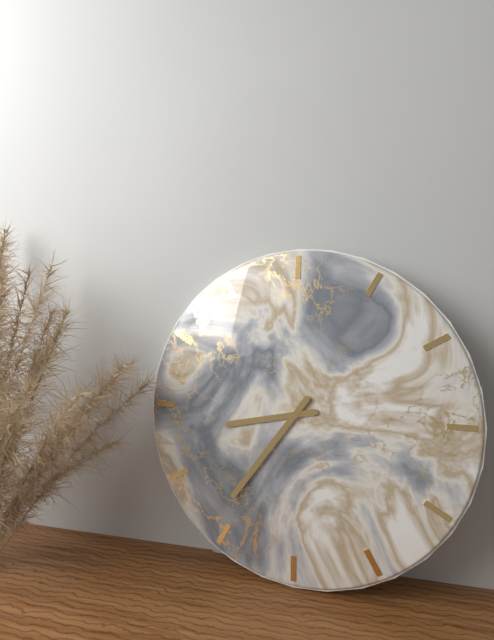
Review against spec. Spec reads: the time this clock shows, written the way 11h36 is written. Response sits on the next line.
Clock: 8h36
